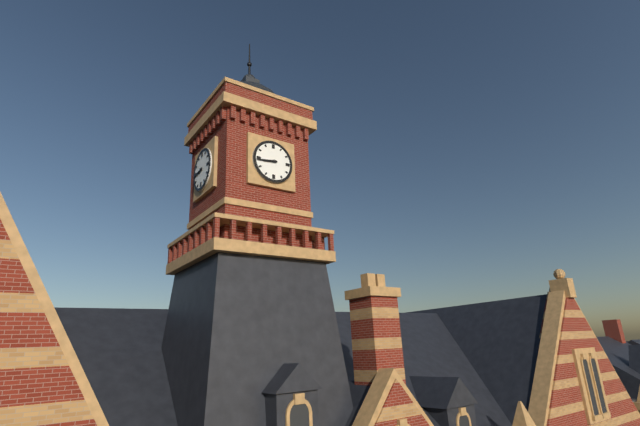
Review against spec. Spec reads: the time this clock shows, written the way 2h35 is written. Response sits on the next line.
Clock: 8h44
